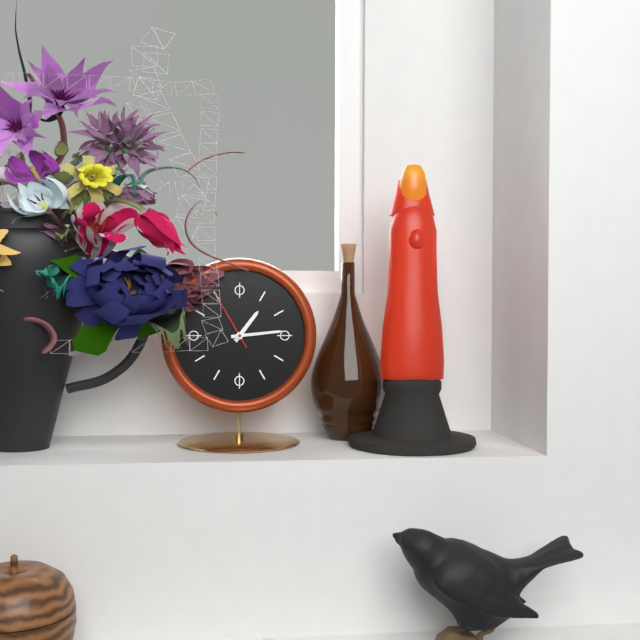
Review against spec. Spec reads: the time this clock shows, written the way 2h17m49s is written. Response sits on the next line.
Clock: 1h14m55s
